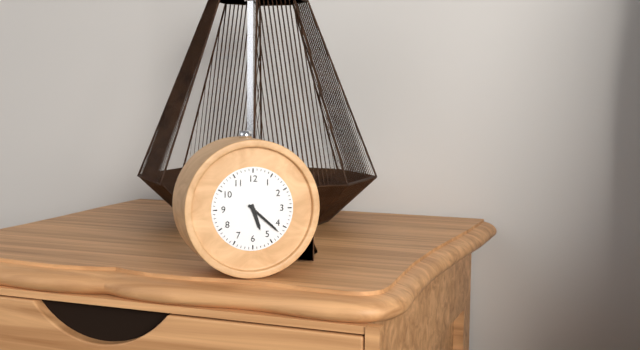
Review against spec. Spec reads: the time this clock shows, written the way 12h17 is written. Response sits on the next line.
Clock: 5h22
